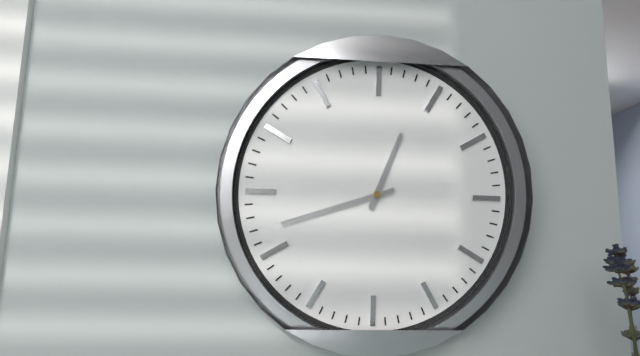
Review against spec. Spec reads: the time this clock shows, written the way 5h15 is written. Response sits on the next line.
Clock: 12h42
